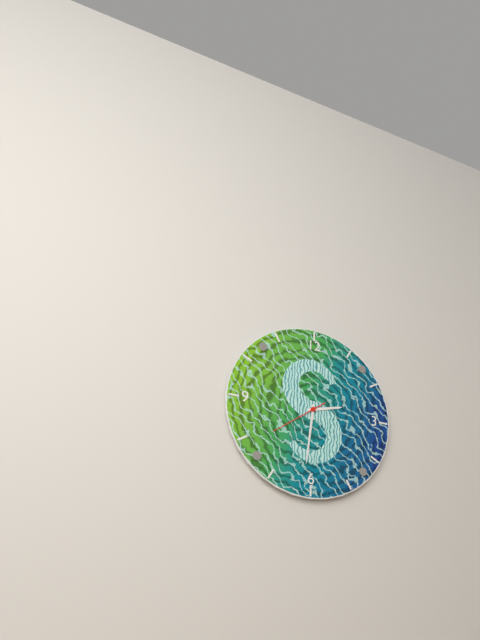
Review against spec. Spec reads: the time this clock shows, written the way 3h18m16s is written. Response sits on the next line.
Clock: 2h31m39s
